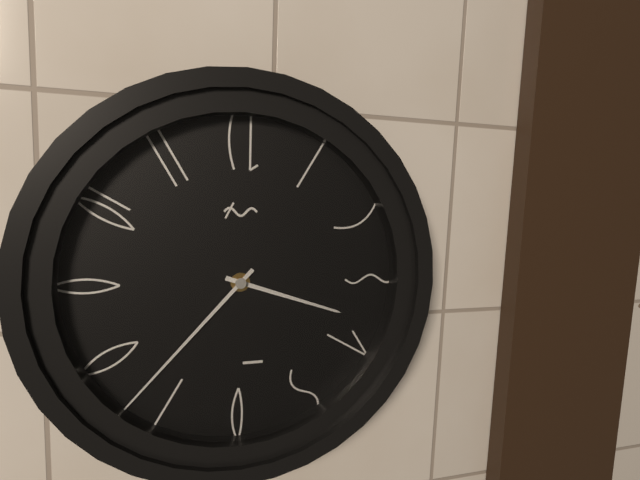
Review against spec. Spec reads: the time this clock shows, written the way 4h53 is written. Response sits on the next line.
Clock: 3h37
